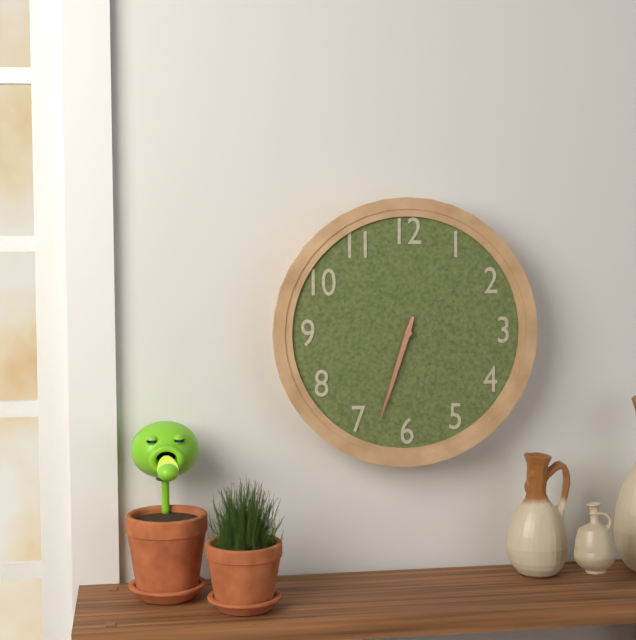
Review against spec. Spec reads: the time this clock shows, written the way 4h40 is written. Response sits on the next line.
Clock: 6h33
